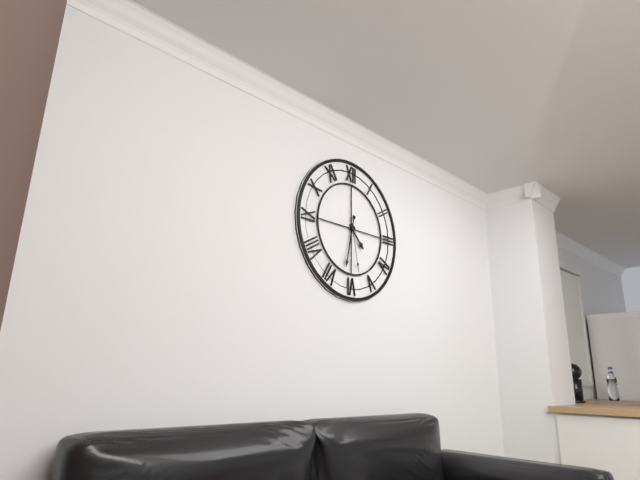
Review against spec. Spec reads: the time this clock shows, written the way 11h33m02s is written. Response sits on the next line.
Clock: 4h32m28s
